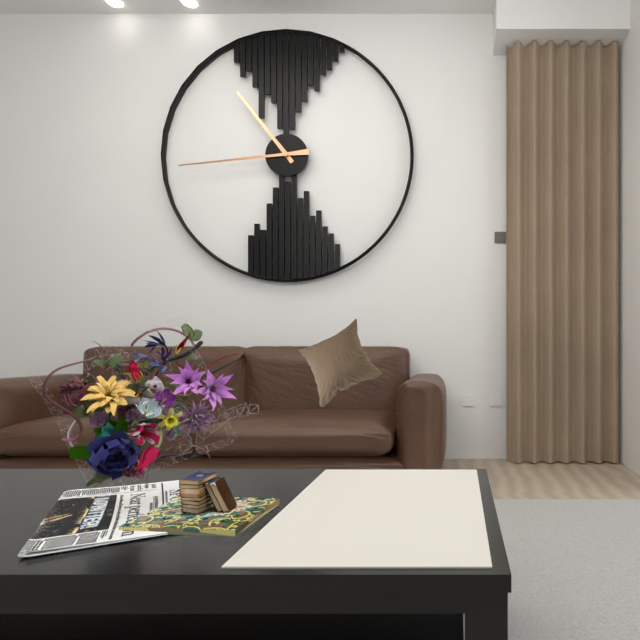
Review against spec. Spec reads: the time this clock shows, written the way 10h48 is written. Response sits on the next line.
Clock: 10h44
